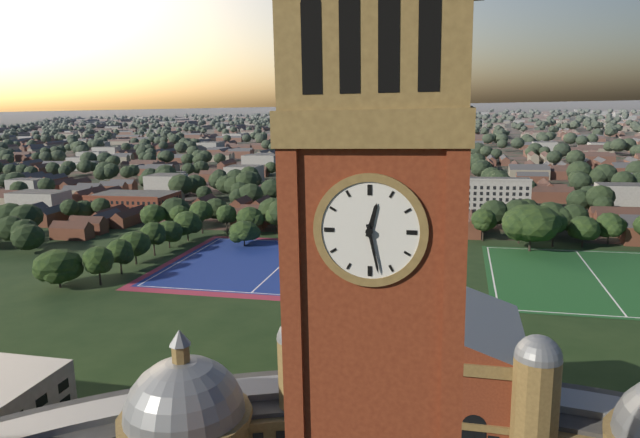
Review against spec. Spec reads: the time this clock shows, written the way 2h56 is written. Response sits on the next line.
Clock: 12h28
